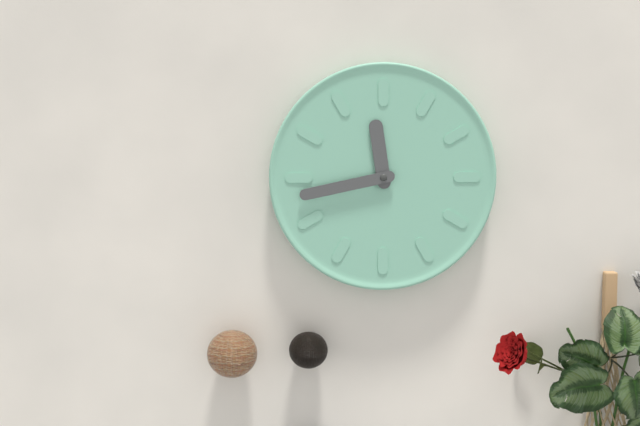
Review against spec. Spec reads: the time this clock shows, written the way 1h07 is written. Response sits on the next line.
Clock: 11h43
